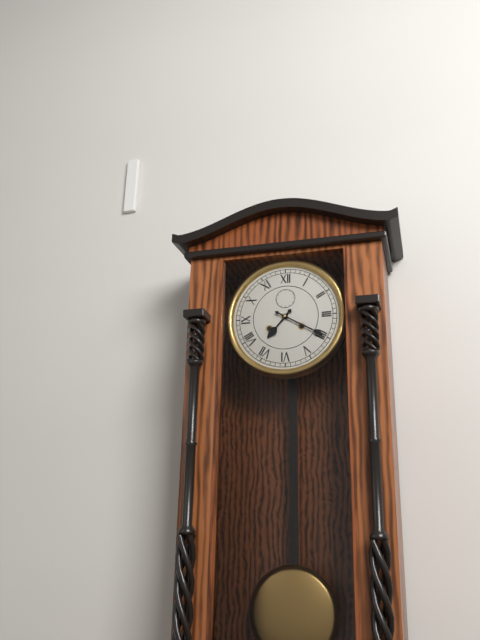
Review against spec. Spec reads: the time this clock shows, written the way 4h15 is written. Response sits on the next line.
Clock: 7h20
